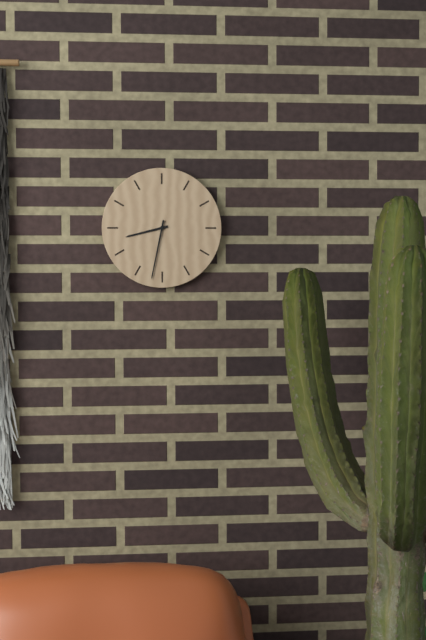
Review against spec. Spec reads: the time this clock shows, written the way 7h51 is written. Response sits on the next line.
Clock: 8h32
